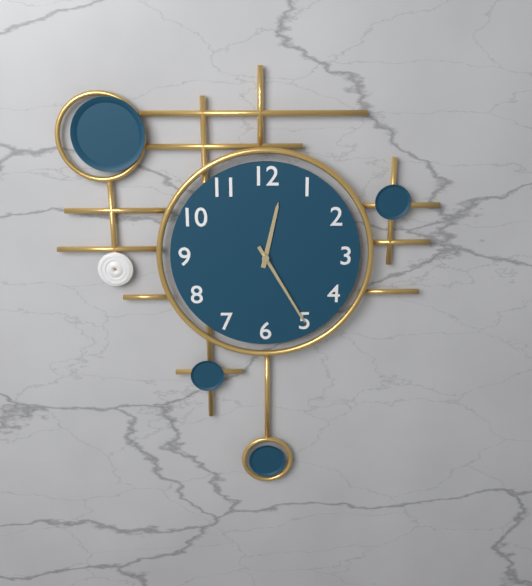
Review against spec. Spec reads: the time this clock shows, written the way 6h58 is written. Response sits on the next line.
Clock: 12h25
